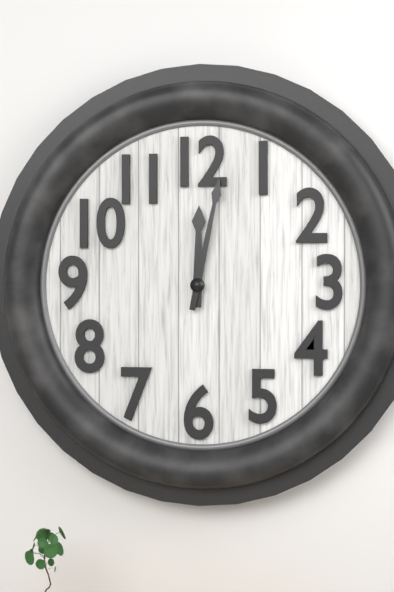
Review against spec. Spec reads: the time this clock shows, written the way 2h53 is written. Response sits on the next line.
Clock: 12h02
